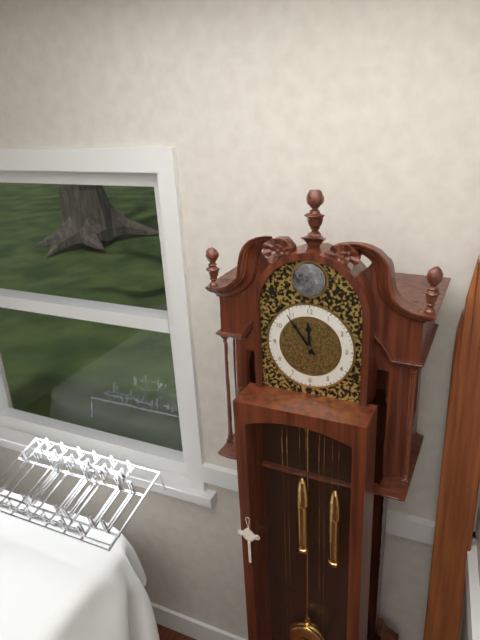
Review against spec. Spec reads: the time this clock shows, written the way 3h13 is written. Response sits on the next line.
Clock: 11h54
